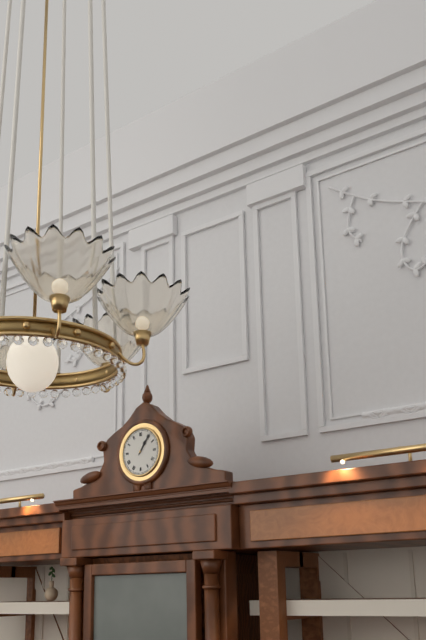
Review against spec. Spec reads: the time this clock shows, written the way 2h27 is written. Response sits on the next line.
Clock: 1h06
